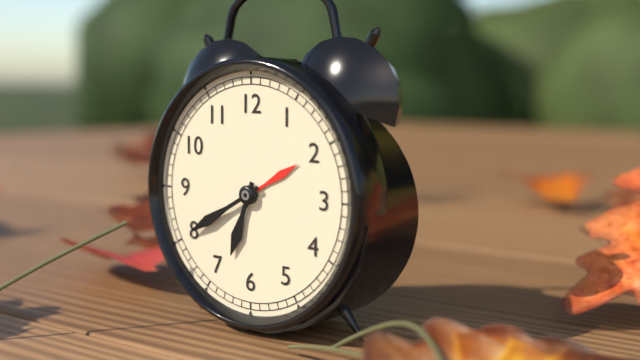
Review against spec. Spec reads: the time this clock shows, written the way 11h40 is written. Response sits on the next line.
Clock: 6h40
